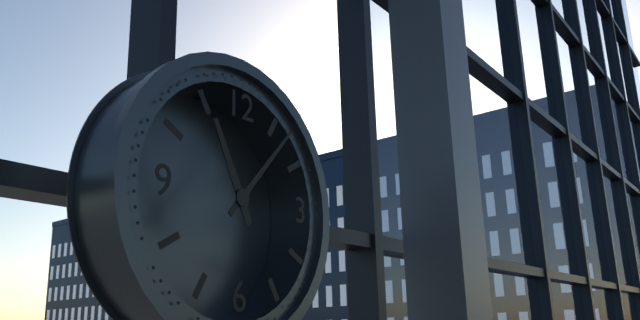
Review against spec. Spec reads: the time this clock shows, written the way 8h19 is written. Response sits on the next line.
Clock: 11h07
